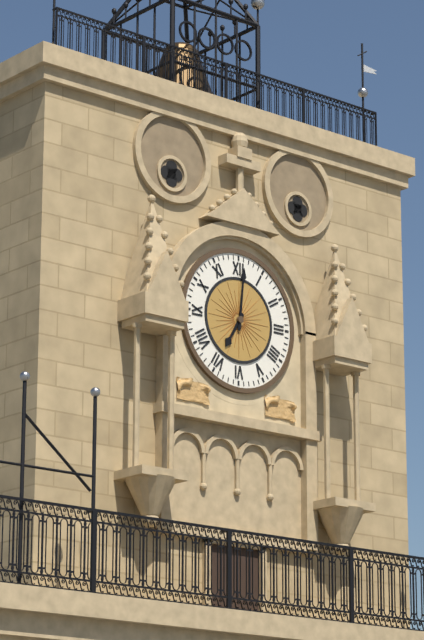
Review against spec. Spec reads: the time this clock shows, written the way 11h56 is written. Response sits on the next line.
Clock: 7h01
